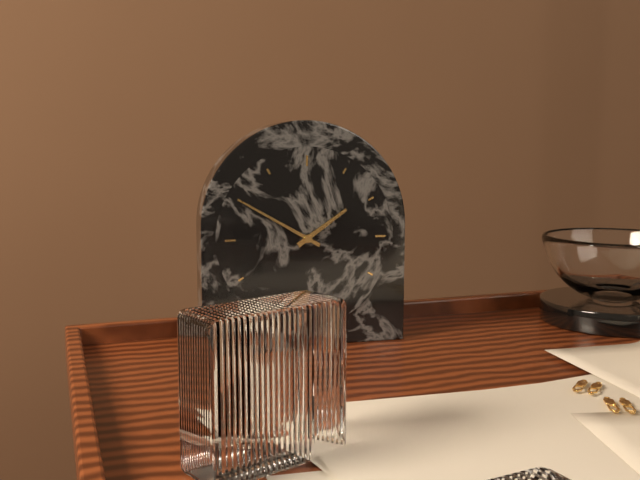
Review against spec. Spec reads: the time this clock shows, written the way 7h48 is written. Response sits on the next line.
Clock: 1h50
